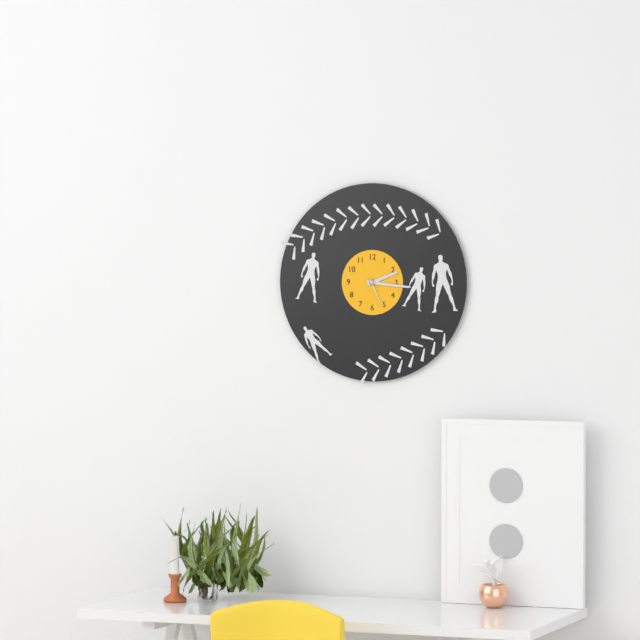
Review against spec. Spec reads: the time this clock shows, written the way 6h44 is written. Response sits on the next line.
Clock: 2h16
